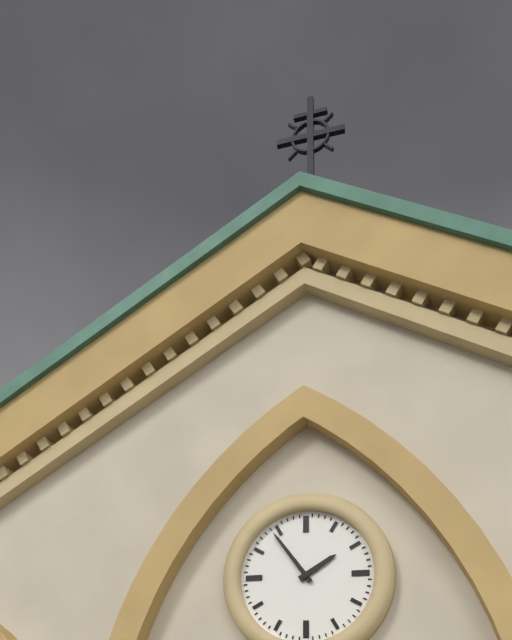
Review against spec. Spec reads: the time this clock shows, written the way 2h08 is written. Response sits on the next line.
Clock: 1h54
